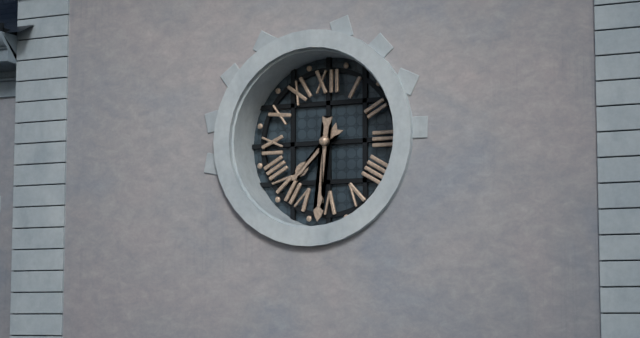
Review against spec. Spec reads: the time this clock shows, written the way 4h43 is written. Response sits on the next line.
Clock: 7h31
